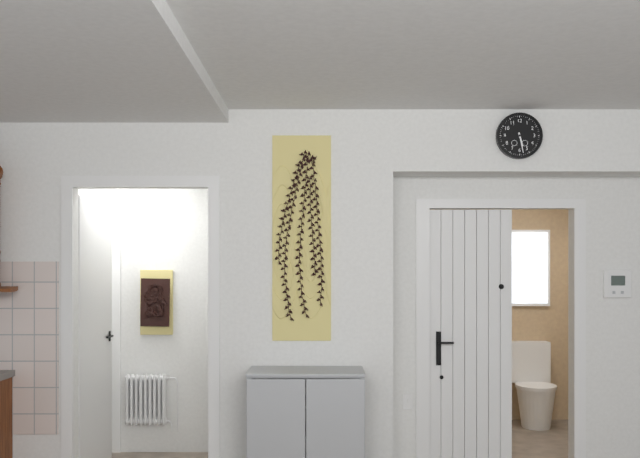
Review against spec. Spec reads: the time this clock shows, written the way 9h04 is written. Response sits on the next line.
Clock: 5h28
